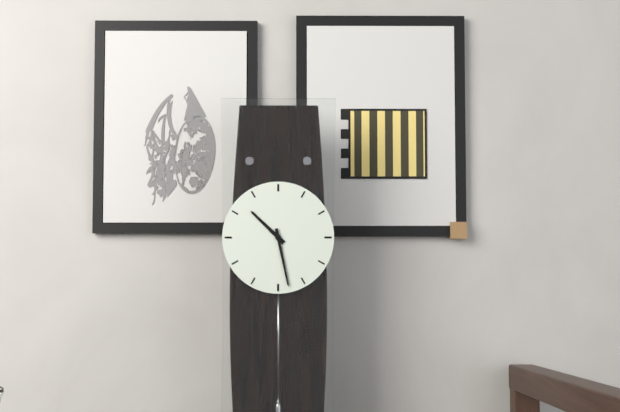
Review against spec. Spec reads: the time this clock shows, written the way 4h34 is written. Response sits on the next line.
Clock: 10h28
